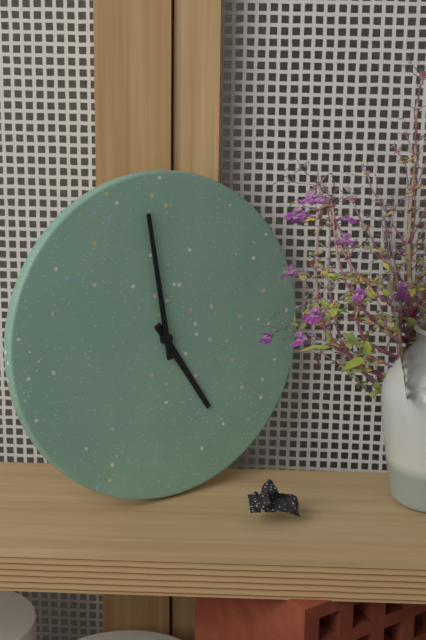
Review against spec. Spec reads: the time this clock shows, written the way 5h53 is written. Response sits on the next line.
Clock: 4h59
